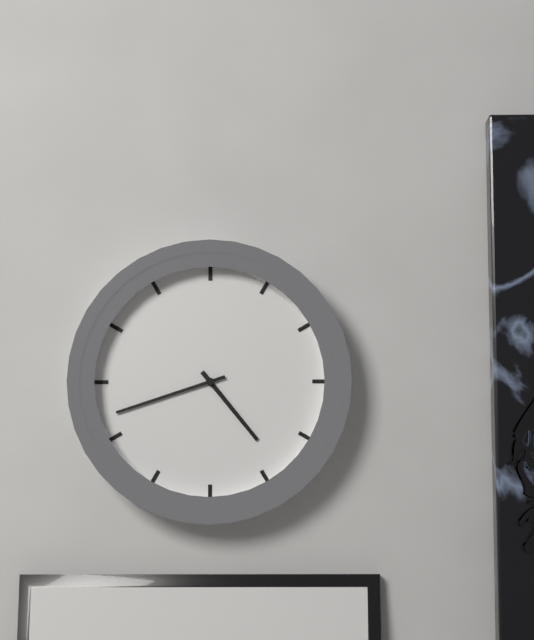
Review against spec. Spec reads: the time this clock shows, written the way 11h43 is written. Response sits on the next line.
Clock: 4h42
